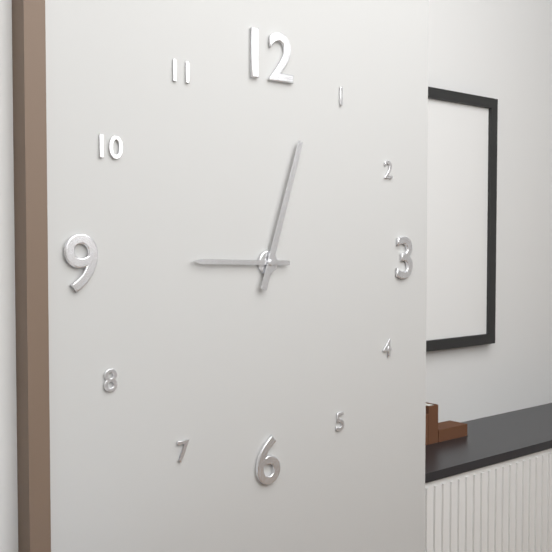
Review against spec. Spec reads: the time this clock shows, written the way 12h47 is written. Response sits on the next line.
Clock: 9h03
